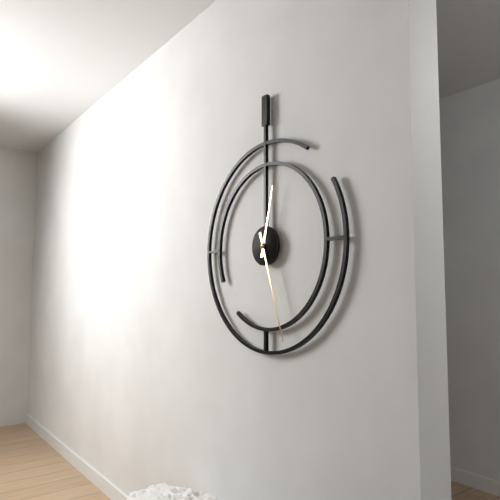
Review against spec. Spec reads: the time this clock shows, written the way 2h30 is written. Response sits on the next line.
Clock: 12h27
